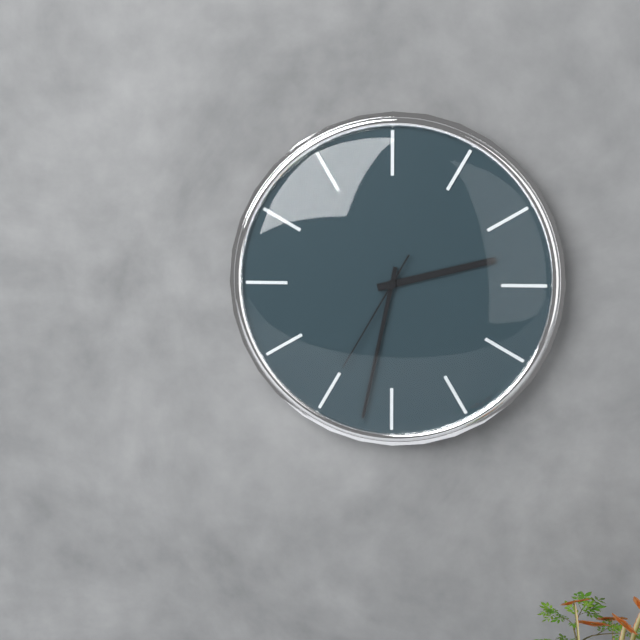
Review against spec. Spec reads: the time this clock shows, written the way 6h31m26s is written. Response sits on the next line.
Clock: 2h32m35s
